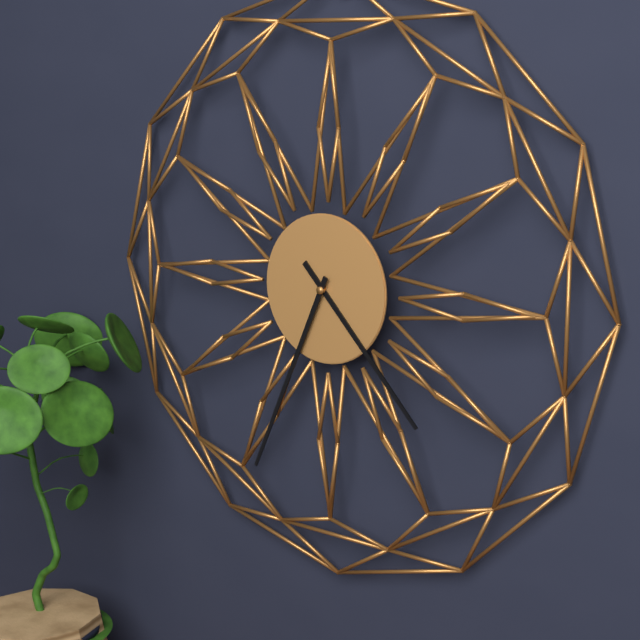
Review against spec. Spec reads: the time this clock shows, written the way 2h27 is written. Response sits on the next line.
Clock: 4h34
